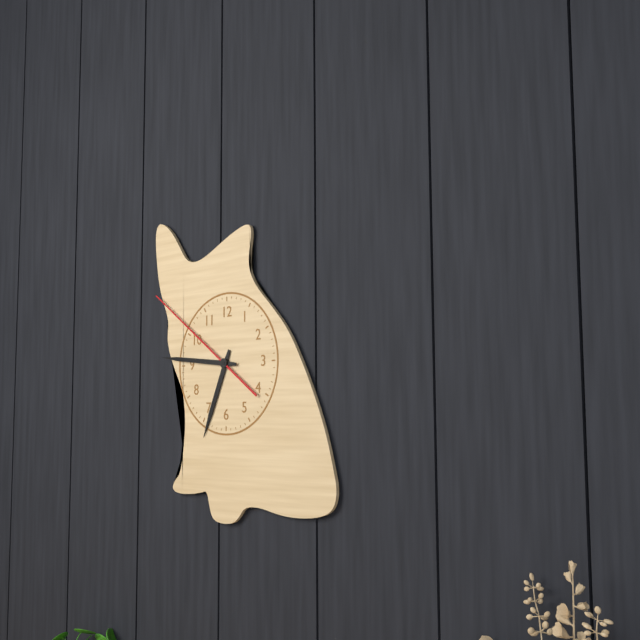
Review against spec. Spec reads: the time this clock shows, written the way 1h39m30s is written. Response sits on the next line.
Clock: 6h46m51s
